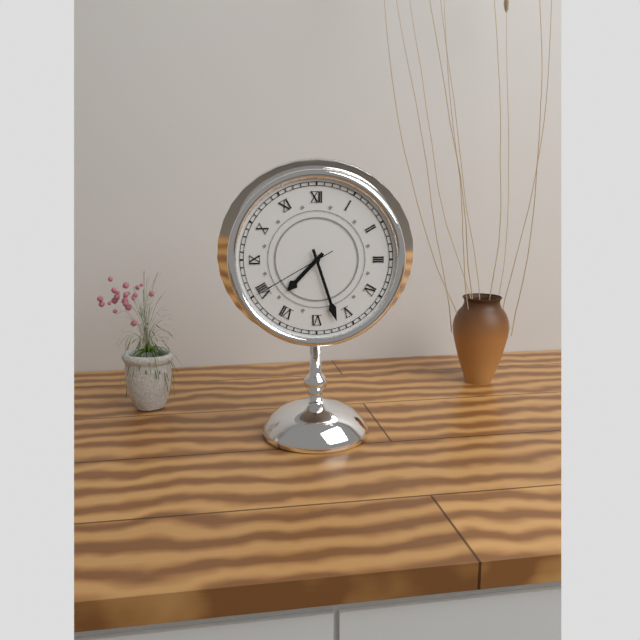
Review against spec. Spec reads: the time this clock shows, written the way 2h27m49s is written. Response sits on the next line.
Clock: 7h27m40s
